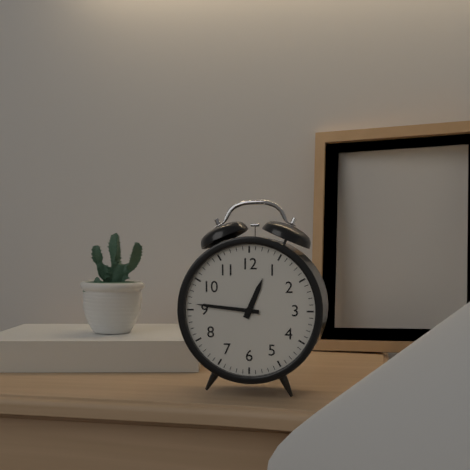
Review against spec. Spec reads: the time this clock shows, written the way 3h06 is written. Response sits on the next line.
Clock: 12h46
